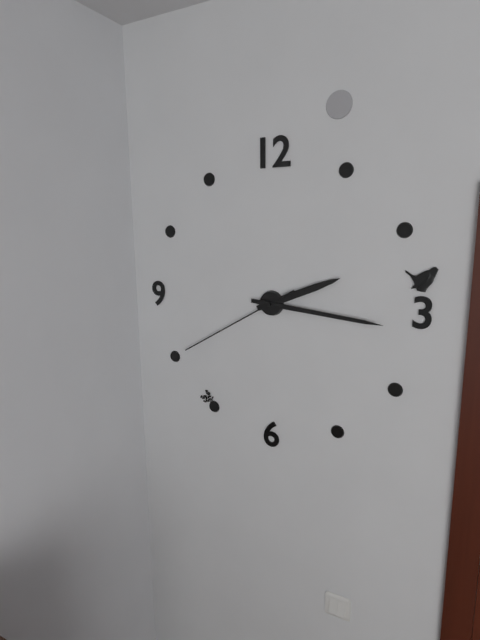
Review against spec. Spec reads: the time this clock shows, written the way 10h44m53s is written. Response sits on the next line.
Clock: 2h16m40s
